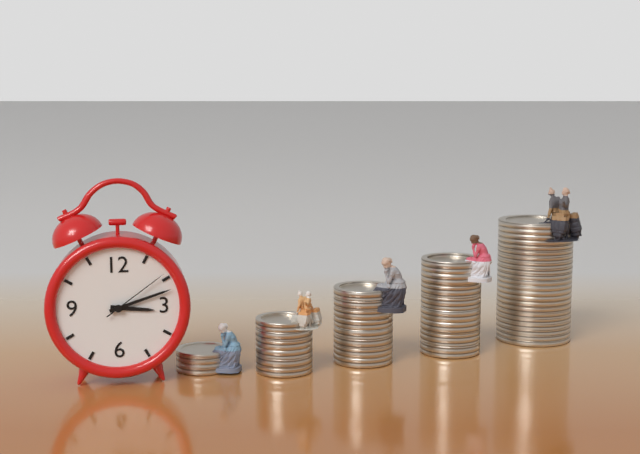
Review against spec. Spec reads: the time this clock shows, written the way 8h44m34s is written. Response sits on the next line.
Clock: 3h12m09s
